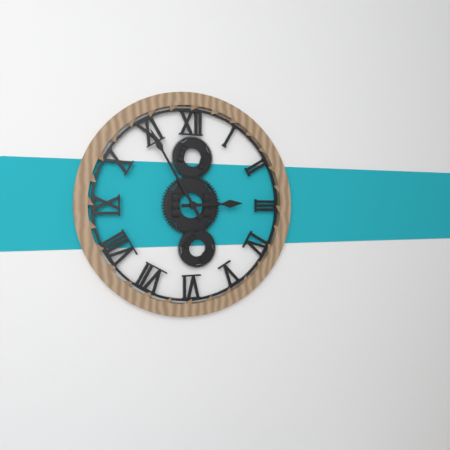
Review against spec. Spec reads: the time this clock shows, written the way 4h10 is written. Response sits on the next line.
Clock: 2h55
